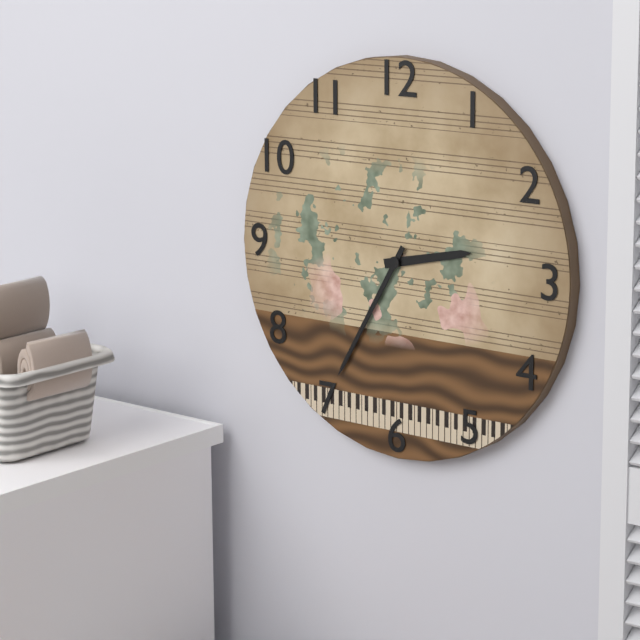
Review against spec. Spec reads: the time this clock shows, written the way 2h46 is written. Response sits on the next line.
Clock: 2h35
